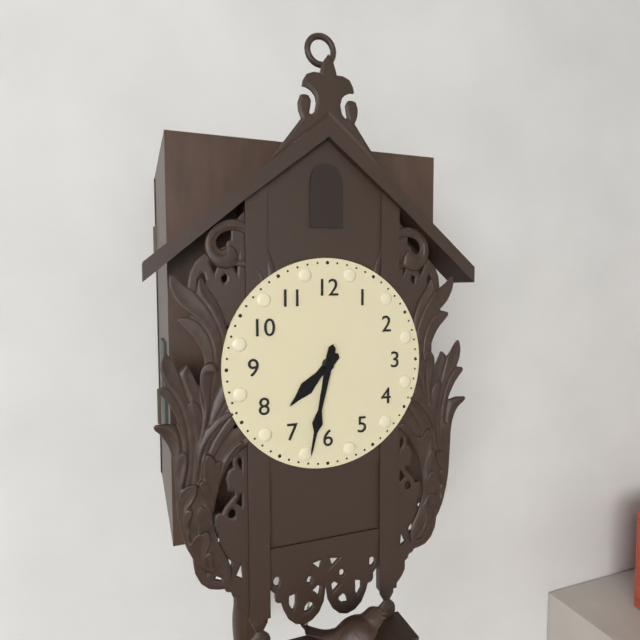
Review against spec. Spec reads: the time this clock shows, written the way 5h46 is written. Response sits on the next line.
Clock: 7h32
